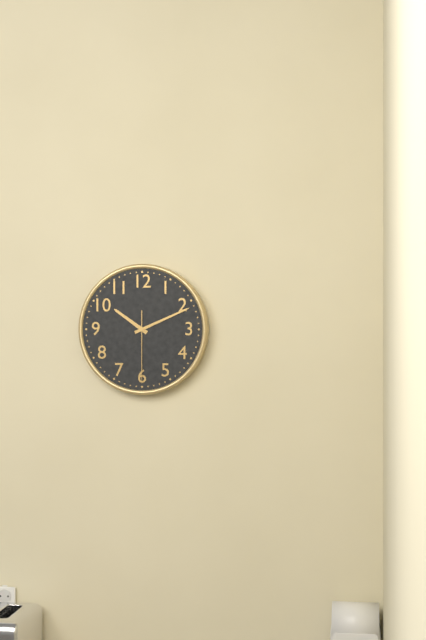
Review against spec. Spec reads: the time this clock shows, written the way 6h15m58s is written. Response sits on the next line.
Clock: 10h11m30s
